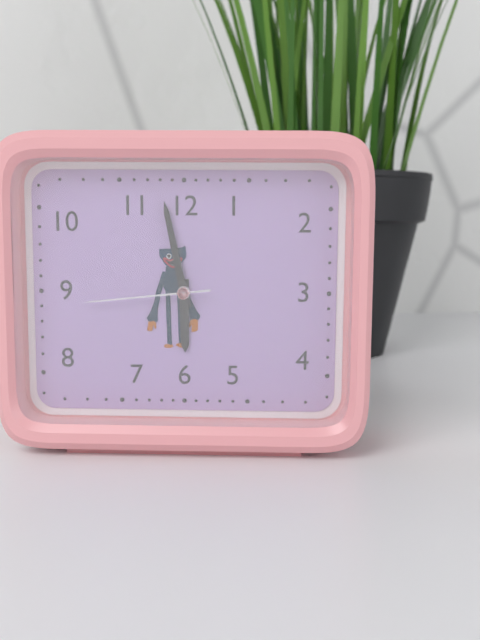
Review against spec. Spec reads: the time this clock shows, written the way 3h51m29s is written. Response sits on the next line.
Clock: 5h58m44s
